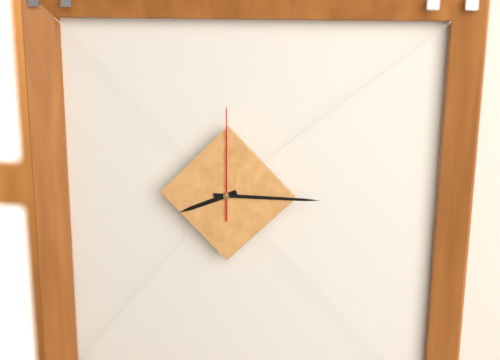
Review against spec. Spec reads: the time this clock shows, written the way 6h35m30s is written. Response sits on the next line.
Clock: 8h15m00s
